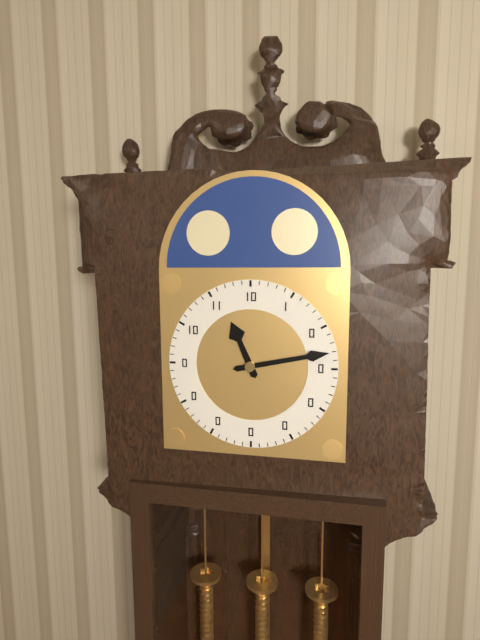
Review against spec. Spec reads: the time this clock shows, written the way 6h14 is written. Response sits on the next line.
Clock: 11h13
